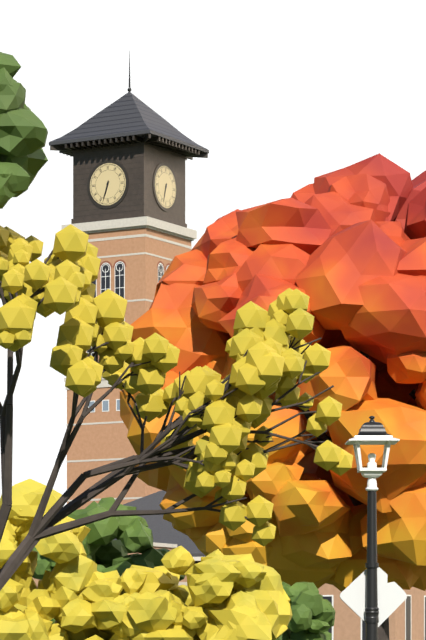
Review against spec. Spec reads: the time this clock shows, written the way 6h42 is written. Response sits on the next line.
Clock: 6h33
